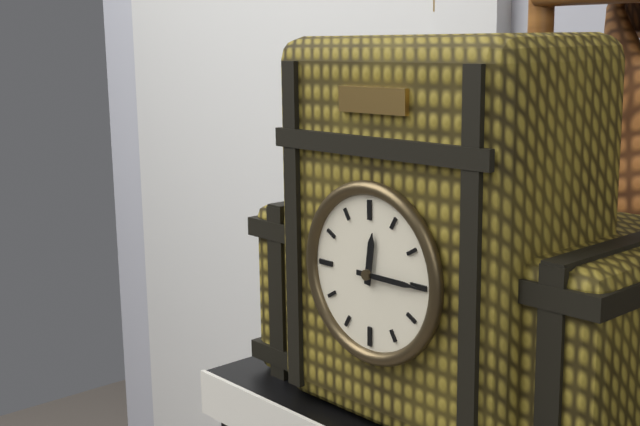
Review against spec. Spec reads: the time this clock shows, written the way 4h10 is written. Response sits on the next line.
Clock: 12h15
